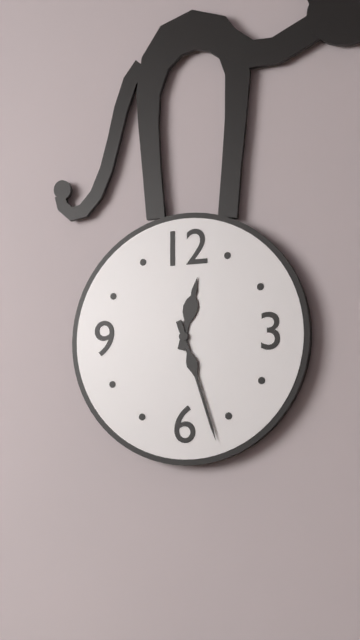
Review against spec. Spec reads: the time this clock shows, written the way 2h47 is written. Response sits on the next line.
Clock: 12h27
